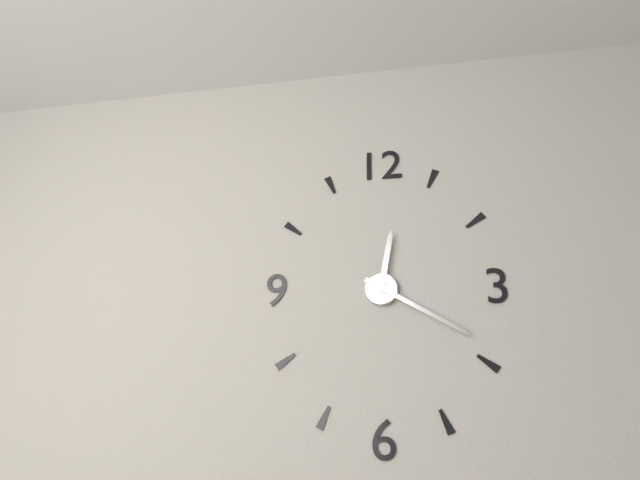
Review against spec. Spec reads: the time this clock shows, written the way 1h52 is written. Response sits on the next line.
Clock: 12h20
